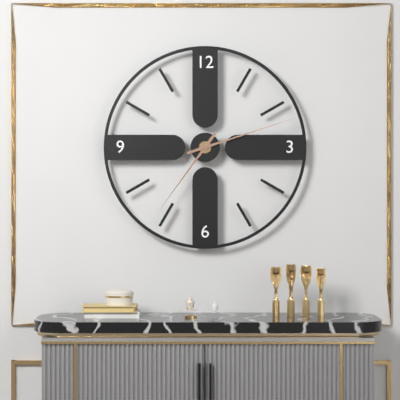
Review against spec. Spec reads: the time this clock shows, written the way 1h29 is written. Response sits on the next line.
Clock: 7h12
